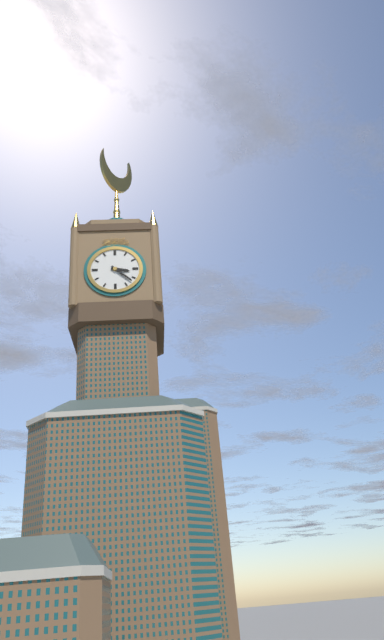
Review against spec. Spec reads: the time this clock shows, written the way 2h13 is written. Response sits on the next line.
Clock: 3h22
